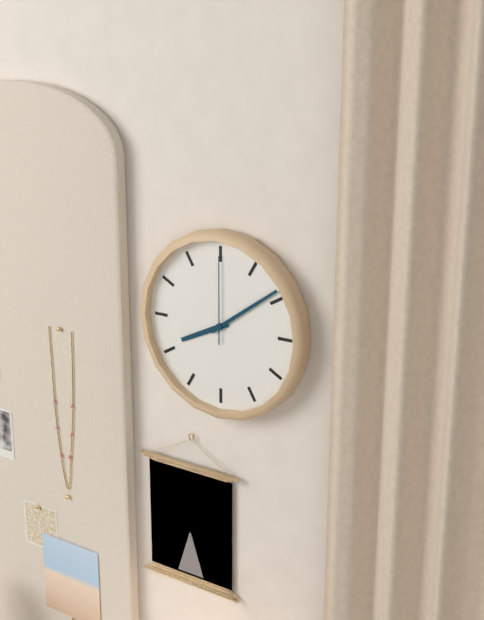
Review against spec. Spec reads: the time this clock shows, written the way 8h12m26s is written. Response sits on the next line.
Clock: 8h09m00s
